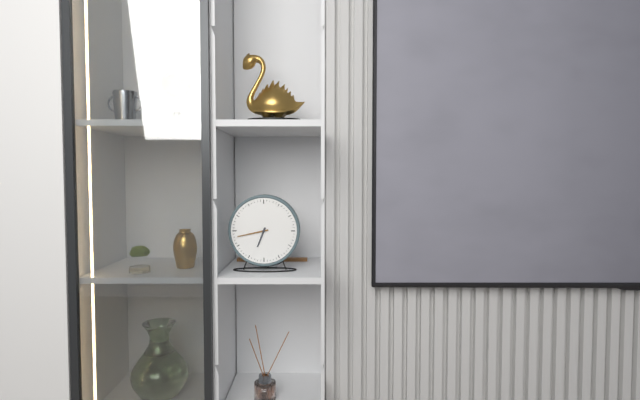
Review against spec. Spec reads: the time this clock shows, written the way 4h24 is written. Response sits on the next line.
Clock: 6h43
